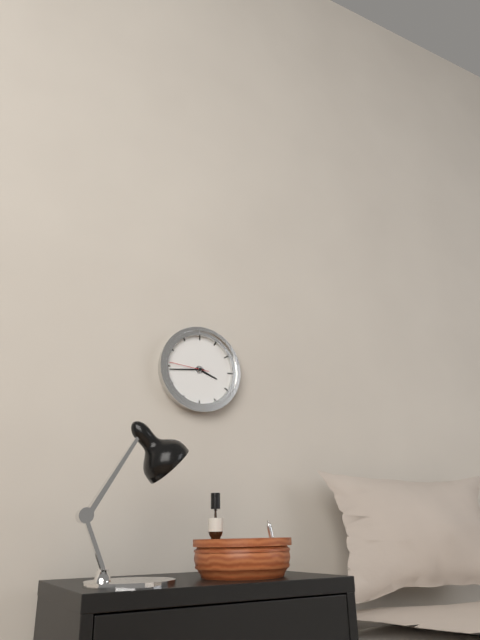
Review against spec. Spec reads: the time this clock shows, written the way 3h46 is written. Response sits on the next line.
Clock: 3h44
